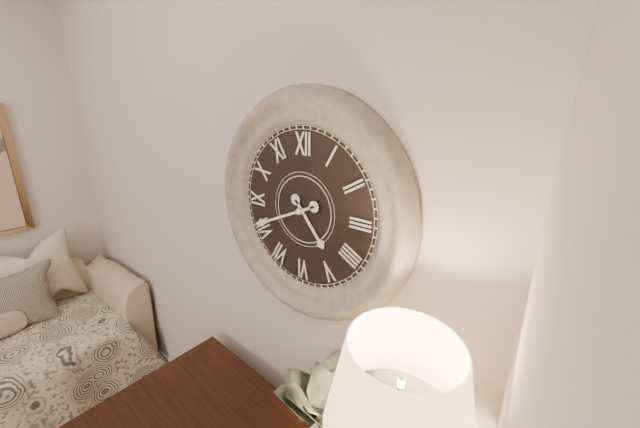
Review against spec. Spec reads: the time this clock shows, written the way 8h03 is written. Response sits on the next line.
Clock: 4h41
